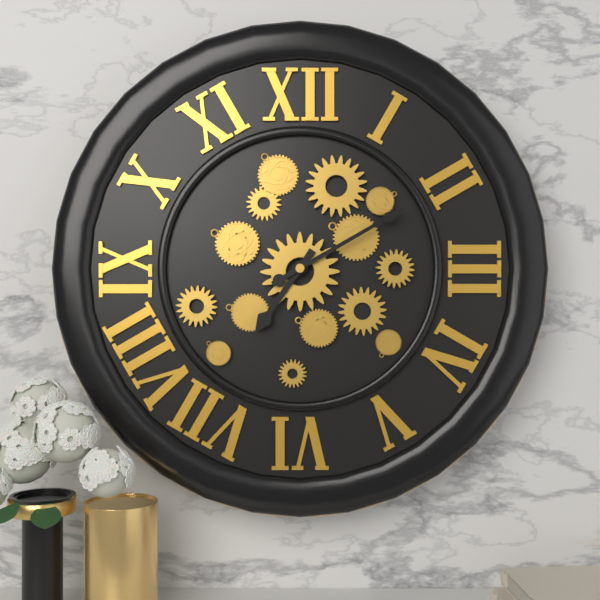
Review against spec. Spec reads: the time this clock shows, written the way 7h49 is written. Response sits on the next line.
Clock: 7h10
